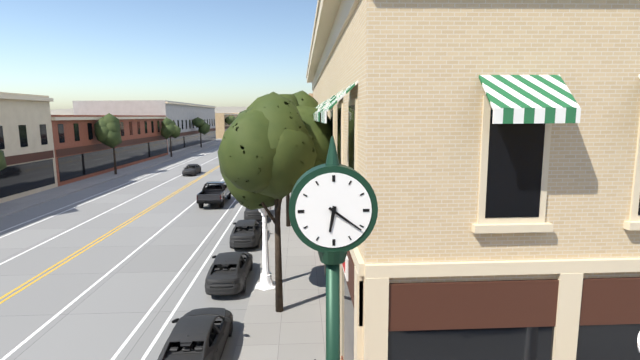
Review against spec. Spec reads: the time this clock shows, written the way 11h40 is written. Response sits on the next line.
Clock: 6h21
